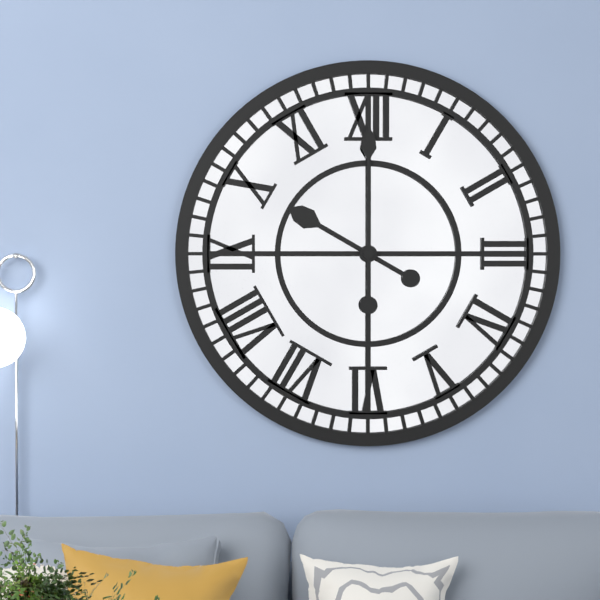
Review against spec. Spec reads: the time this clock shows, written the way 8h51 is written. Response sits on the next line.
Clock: 10h00
